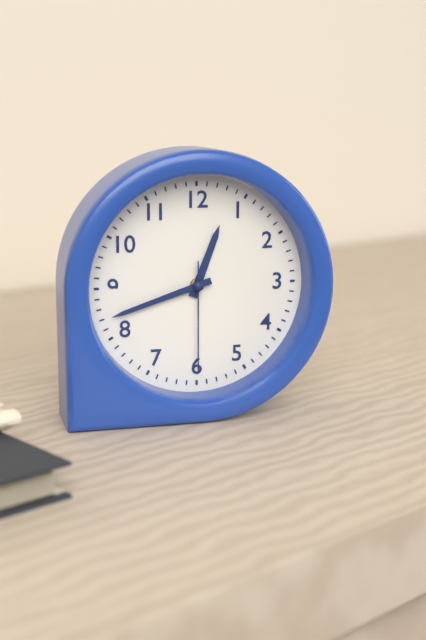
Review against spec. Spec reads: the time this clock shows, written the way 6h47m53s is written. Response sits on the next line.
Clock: 12h42m30s
